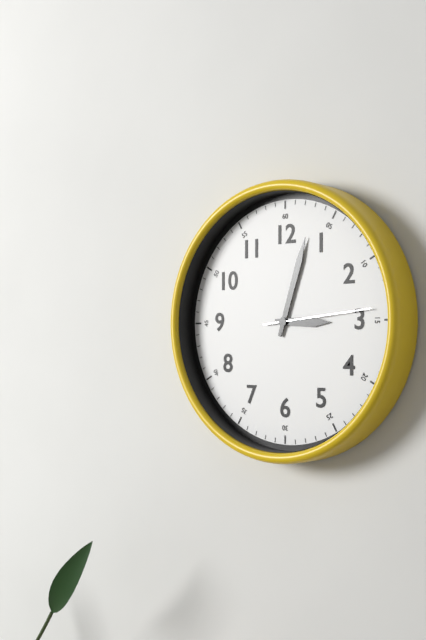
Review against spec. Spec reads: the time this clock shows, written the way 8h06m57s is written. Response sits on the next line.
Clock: 3h03m14s
